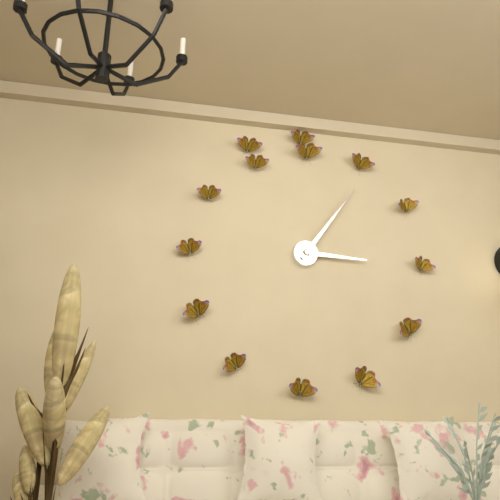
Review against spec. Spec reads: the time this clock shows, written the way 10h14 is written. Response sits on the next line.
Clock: 3h06
